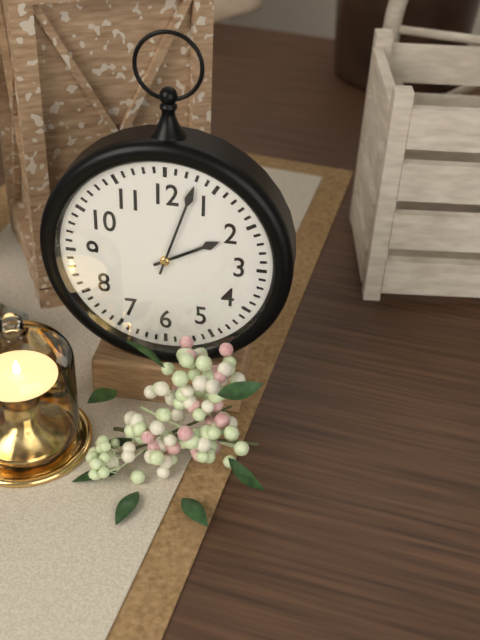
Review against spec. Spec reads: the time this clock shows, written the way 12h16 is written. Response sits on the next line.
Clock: 2h03
